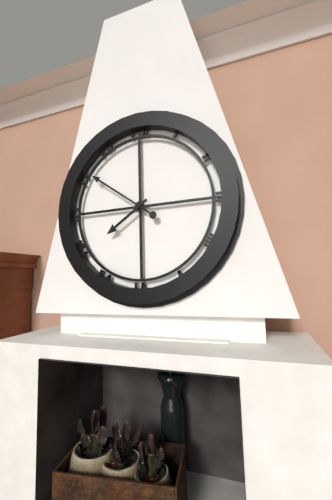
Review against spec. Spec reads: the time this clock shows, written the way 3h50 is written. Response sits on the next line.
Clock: 7h51
